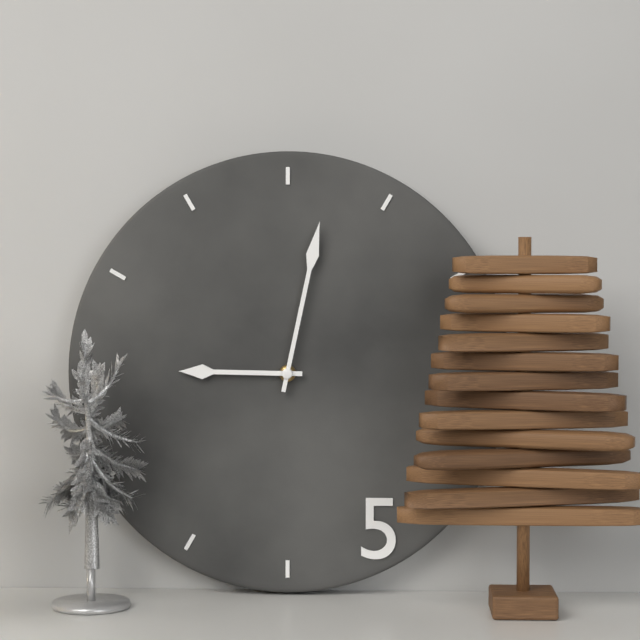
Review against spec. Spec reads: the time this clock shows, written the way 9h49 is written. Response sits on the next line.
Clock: 9h02
